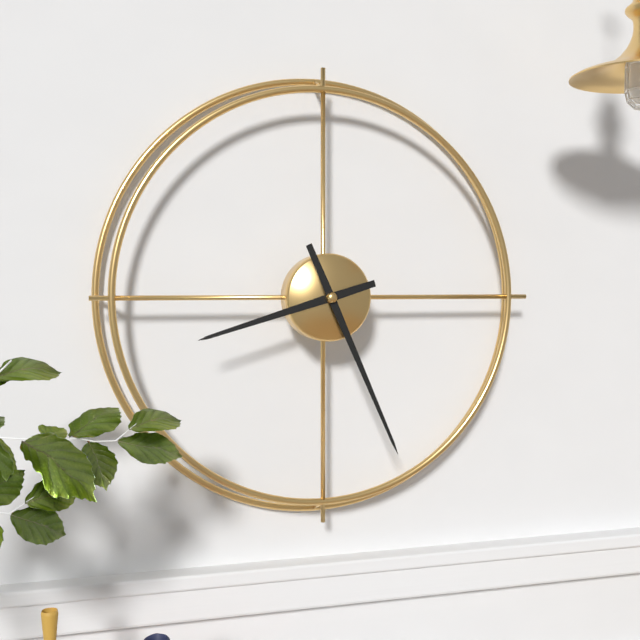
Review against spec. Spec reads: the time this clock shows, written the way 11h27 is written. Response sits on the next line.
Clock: 8h26
